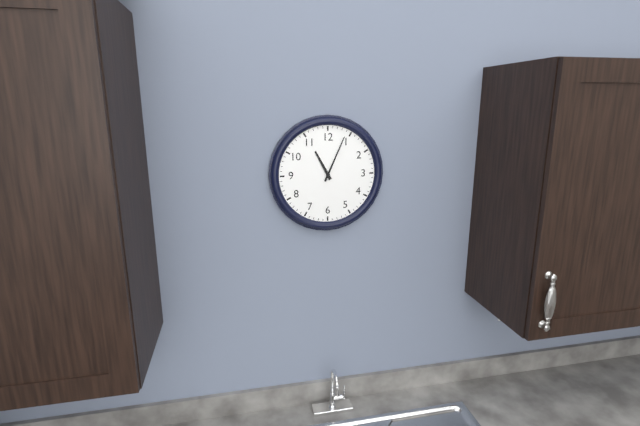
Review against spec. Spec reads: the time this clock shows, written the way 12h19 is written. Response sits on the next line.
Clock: 11h04
